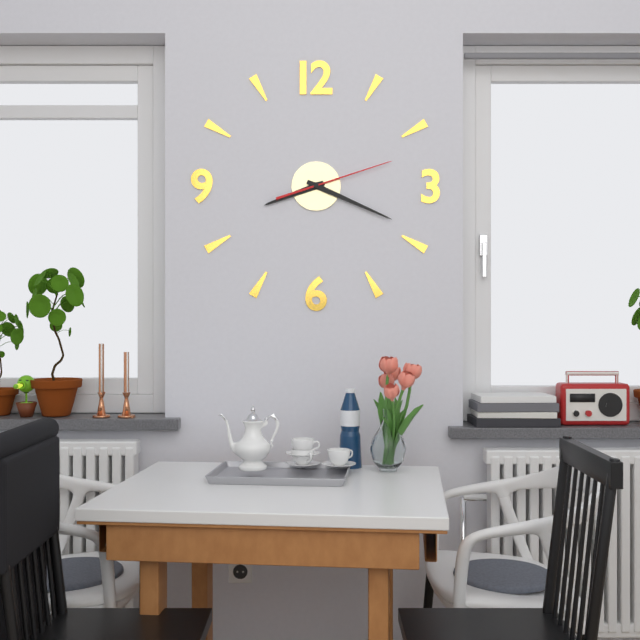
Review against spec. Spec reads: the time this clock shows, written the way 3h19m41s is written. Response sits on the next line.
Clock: 8h19m12s
